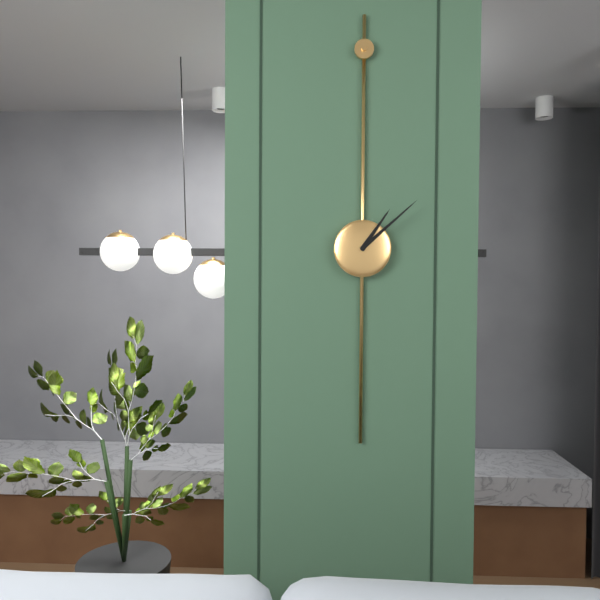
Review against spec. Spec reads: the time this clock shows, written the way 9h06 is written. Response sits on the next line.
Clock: 1h08
